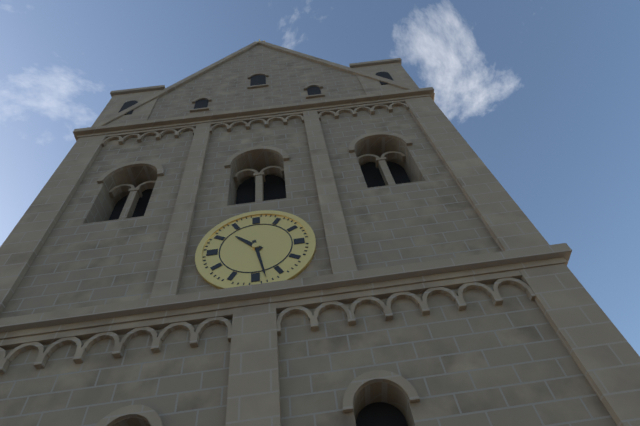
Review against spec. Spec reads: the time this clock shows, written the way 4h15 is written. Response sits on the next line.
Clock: 10h28
